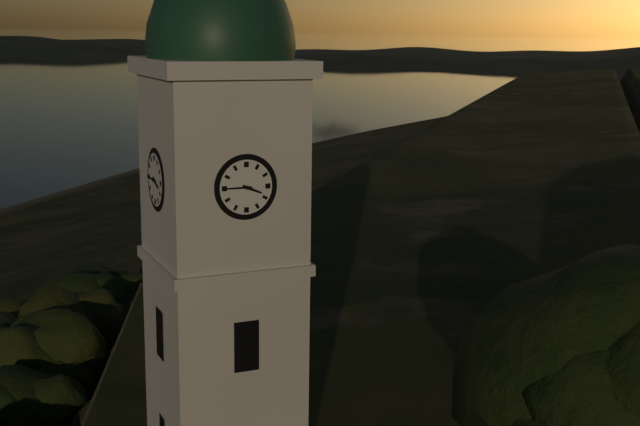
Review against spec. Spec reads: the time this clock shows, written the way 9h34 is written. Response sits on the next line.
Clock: 3h45
